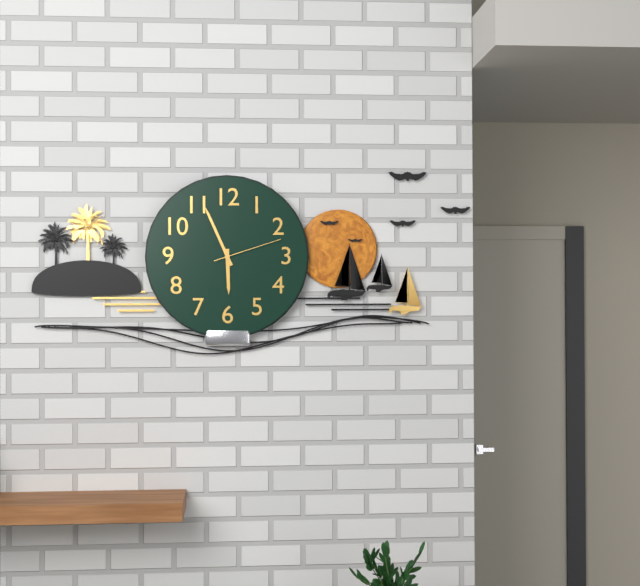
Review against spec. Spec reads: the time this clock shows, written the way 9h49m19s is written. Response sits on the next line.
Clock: 5h56m12s
